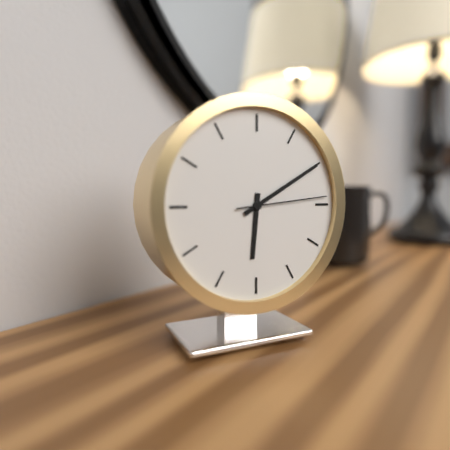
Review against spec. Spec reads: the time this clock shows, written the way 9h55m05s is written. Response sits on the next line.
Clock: 6h10m14s
